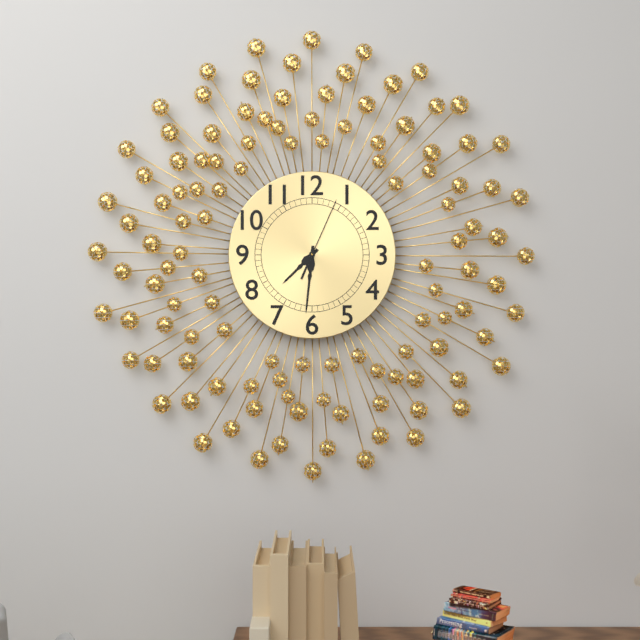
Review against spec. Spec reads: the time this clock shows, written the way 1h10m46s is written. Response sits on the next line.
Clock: 7h31m04s
